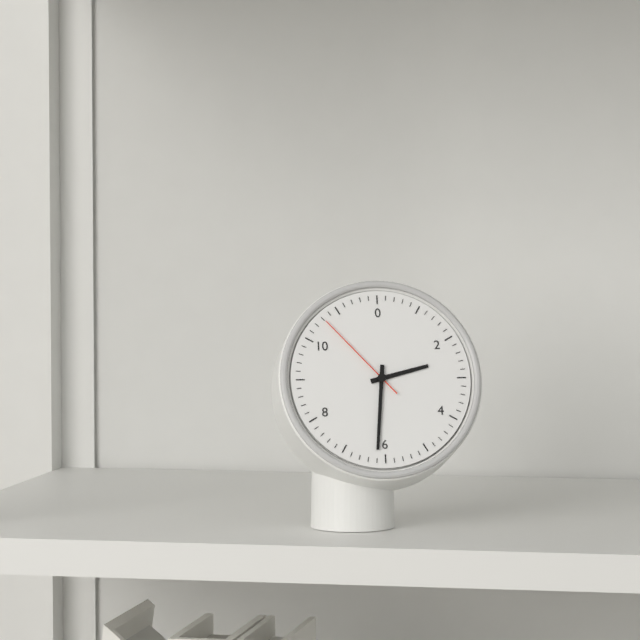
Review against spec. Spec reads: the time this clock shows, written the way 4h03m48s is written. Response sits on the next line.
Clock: 2h31m53s
